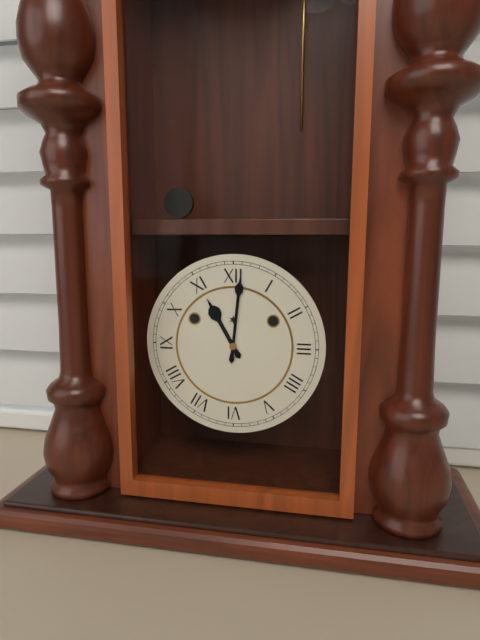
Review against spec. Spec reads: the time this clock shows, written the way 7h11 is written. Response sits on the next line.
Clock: 11h01
